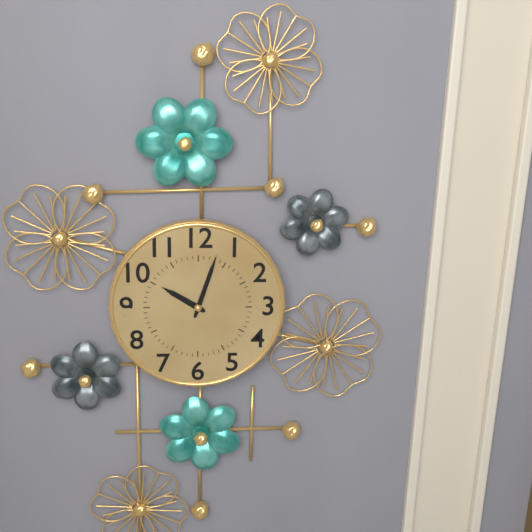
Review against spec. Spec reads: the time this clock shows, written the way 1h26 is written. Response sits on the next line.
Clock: 10h03
